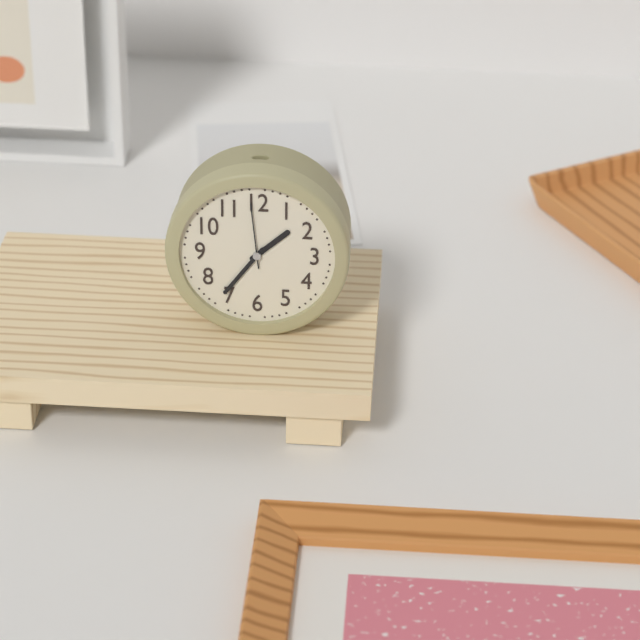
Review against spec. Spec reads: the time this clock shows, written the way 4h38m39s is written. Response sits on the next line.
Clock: 1h36m59s
